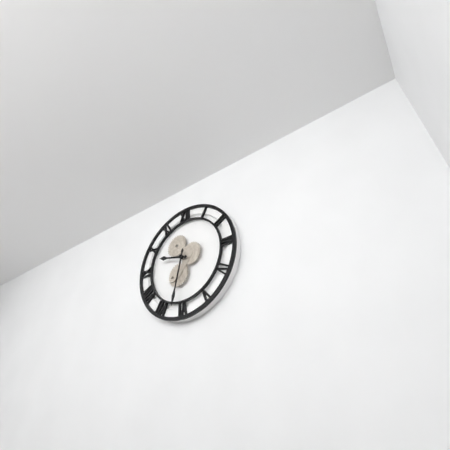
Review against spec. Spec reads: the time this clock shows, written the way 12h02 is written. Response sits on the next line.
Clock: 9h32
